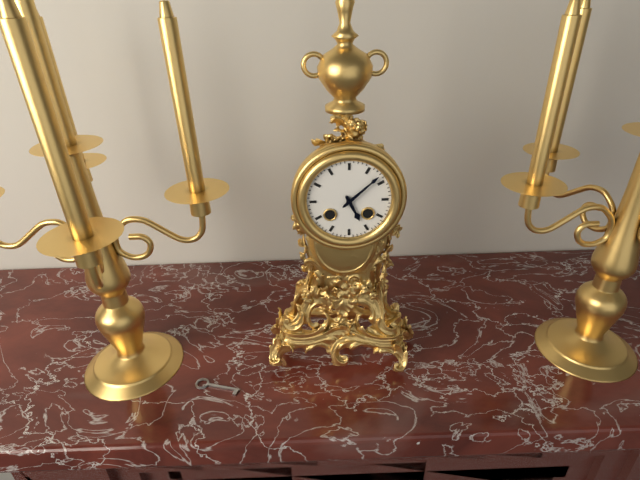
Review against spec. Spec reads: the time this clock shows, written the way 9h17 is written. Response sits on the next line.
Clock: 5h08
